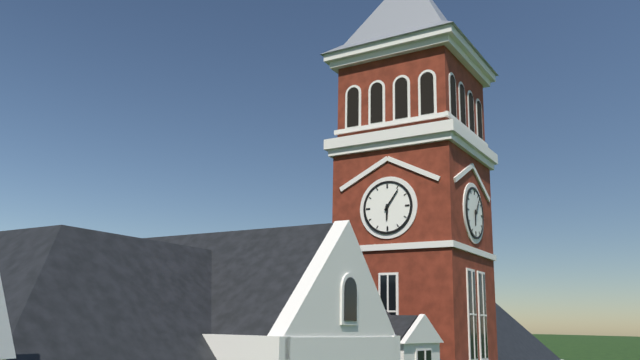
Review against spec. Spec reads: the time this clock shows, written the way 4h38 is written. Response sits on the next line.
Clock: 6h06
